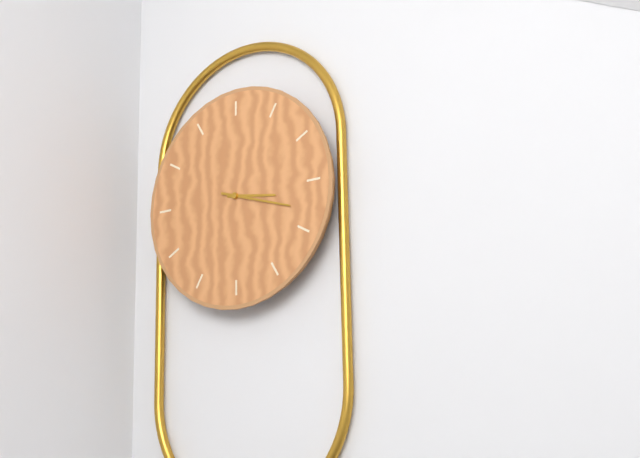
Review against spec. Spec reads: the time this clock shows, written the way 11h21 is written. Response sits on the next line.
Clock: 3h18
